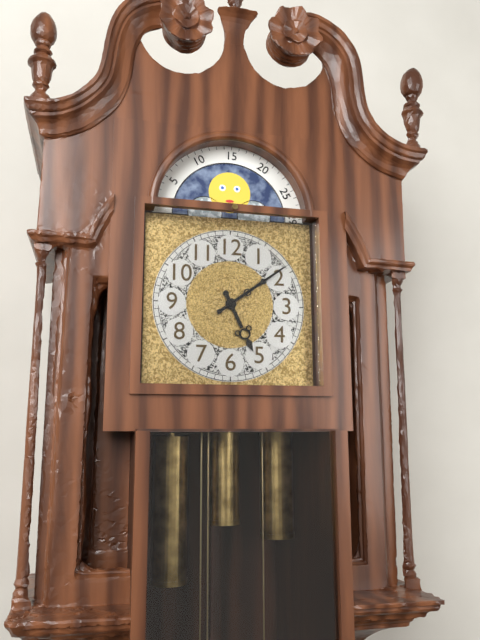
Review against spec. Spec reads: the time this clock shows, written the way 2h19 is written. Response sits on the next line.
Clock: 5h09
